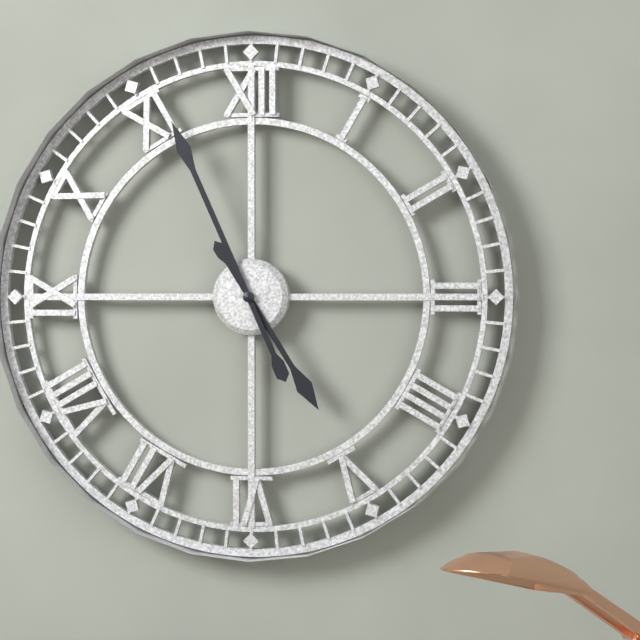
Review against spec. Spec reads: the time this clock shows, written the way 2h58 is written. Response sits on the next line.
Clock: 4h56
